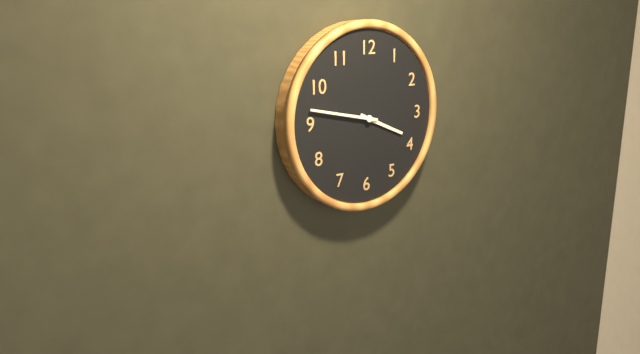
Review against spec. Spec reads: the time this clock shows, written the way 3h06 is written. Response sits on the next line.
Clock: 3h47
